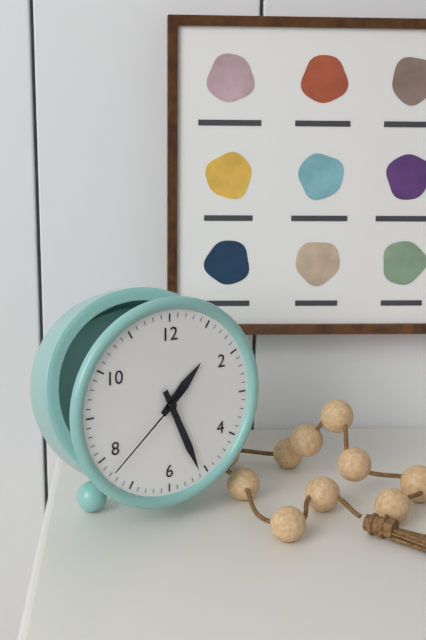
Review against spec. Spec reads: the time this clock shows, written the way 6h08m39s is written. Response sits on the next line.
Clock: 1h26m38s
